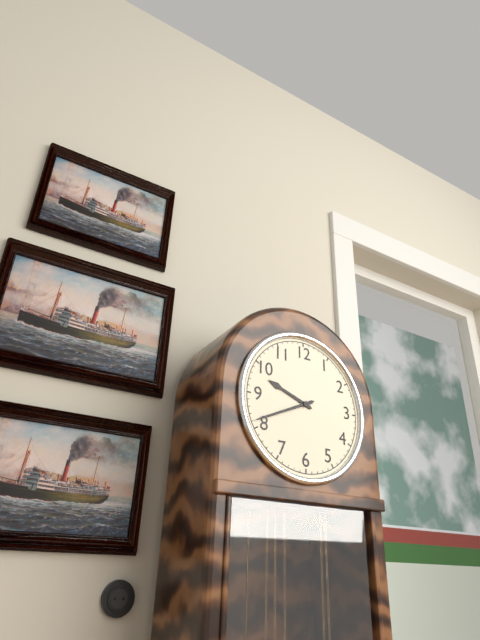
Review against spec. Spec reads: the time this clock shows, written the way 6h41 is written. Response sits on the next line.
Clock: 9h41
